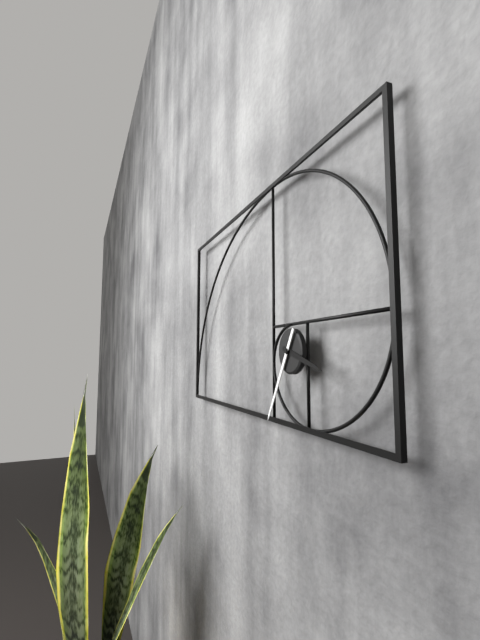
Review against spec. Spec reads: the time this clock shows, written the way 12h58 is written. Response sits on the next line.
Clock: 3h35
